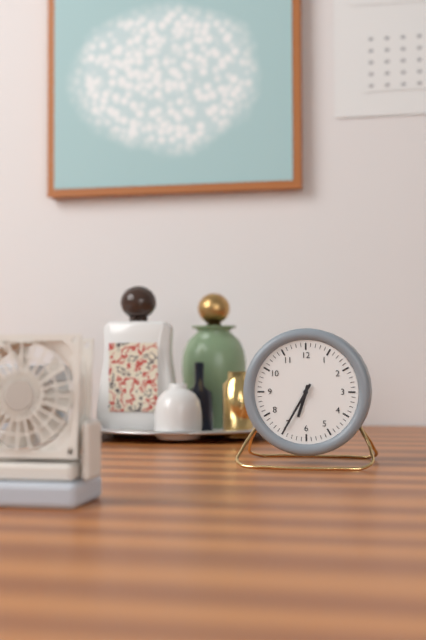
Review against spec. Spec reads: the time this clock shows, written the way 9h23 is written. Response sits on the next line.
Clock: 6h35
